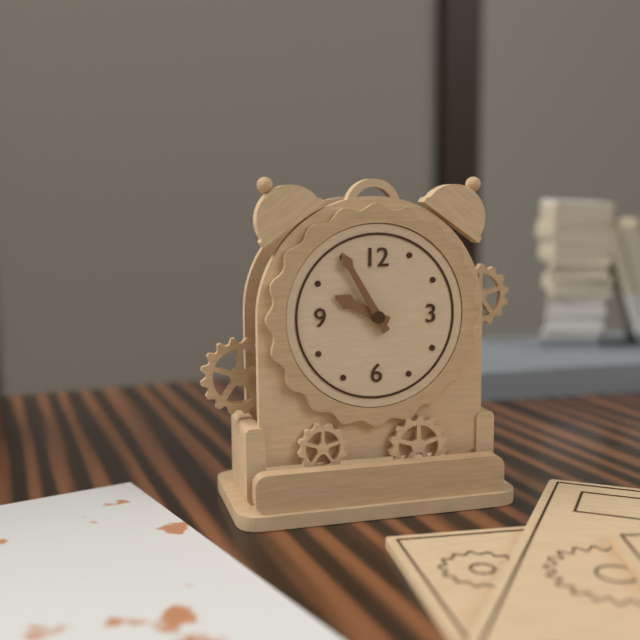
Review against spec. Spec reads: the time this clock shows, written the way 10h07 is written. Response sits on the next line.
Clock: 9h55
